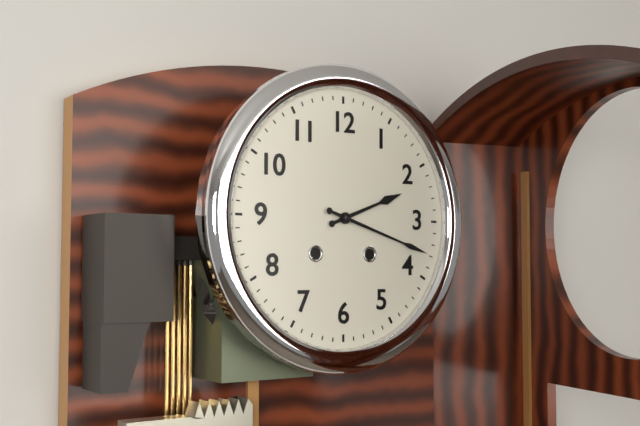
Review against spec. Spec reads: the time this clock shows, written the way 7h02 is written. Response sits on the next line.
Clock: 2h18
